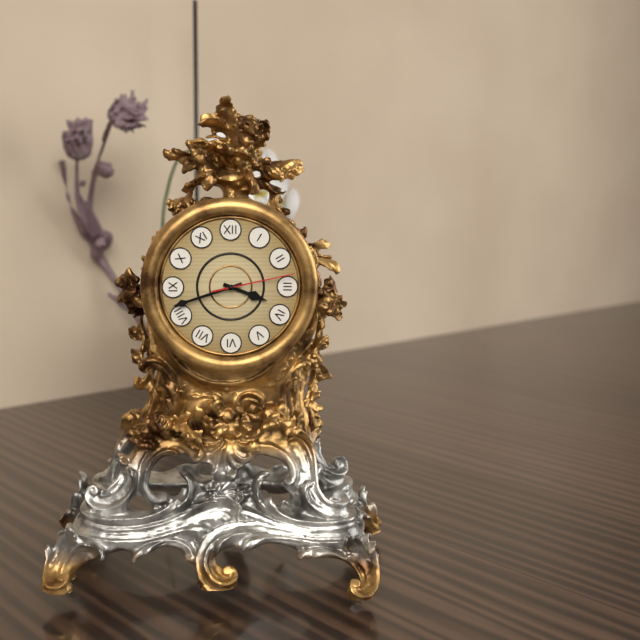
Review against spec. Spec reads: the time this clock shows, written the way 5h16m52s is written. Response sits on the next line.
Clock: 3h42m13s
